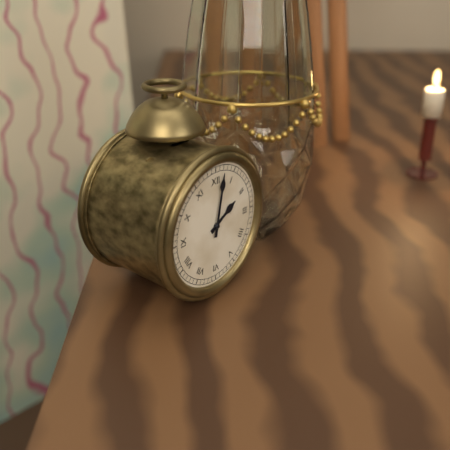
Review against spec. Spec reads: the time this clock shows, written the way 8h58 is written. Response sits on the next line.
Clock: 2h02
